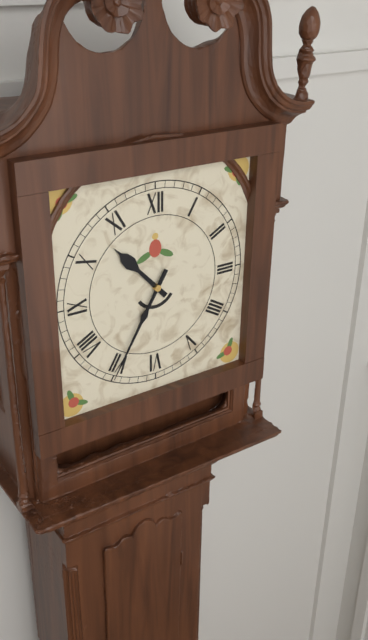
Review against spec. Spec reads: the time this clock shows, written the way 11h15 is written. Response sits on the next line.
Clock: 10h35
